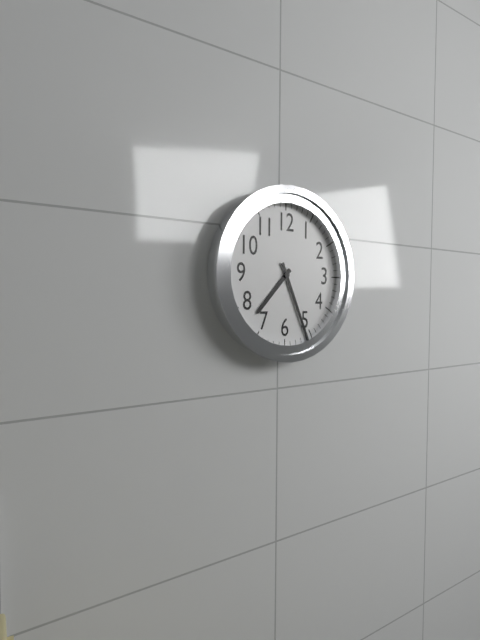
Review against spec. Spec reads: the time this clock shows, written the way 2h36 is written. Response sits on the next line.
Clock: 7h26
